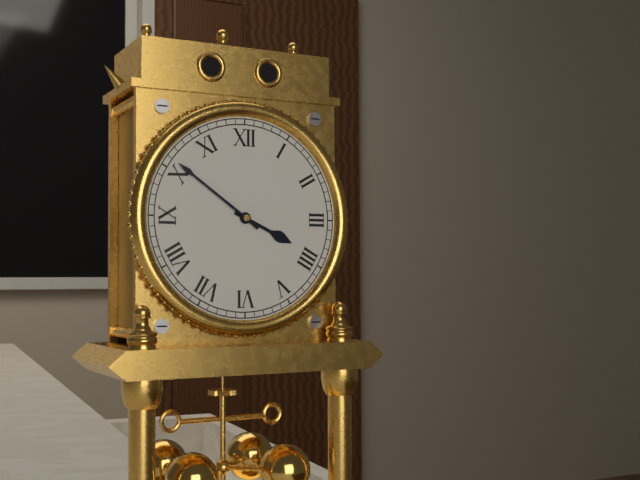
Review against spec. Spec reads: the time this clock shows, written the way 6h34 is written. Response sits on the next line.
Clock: 3h51
